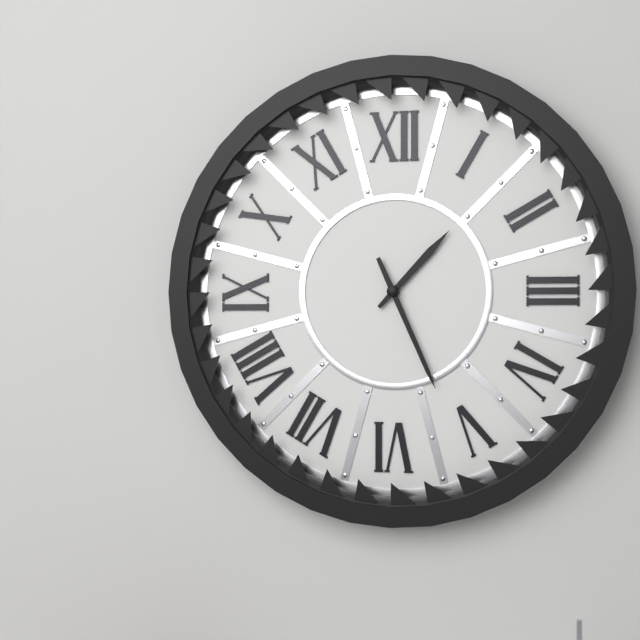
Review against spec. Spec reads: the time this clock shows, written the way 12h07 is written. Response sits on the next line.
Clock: 1h26
